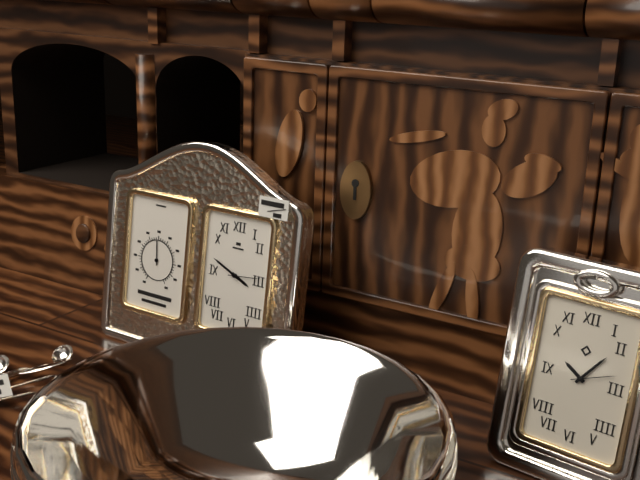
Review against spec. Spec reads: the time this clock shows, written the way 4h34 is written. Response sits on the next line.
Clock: 3h49
